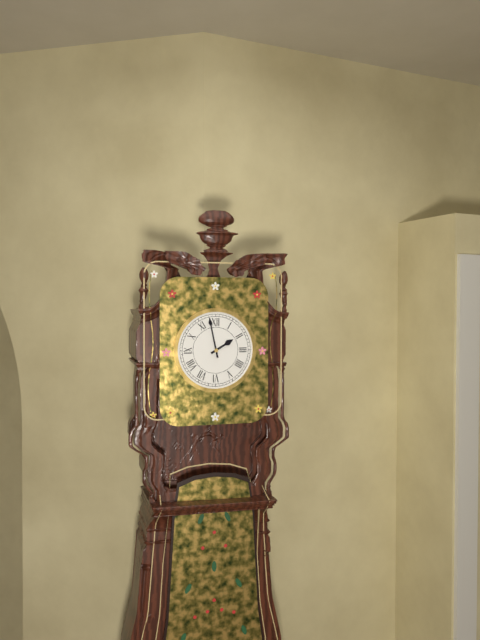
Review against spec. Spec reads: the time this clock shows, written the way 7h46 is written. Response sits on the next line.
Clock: 1h58
